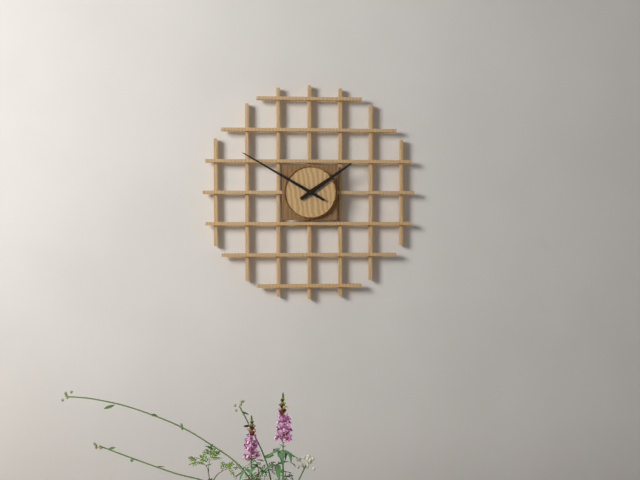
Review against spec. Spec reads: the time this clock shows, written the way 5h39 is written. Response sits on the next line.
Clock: 1h50
